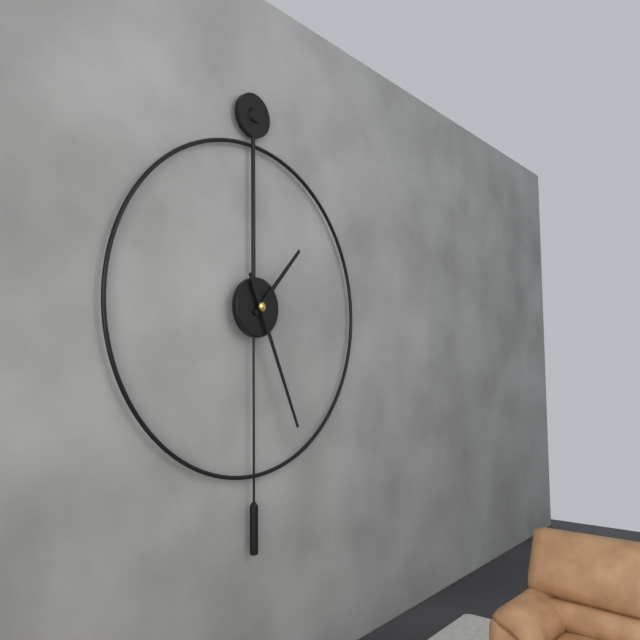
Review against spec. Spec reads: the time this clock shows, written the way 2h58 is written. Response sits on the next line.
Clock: 1h26
